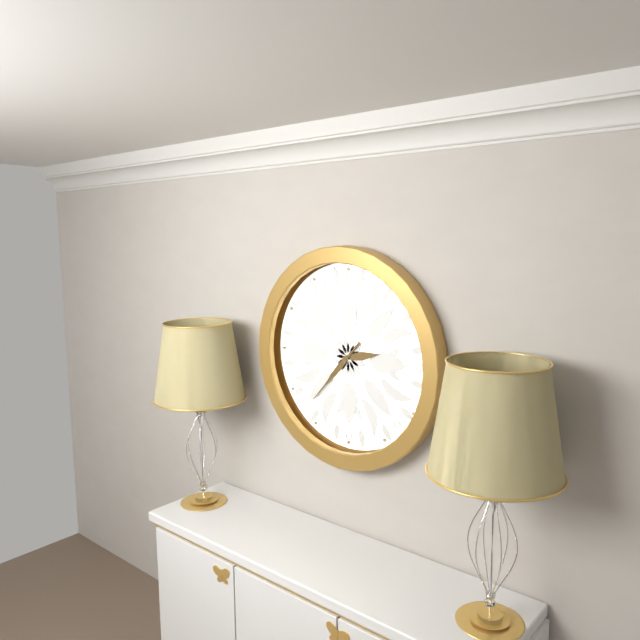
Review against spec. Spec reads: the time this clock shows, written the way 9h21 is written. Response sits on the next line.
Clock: 2h37
